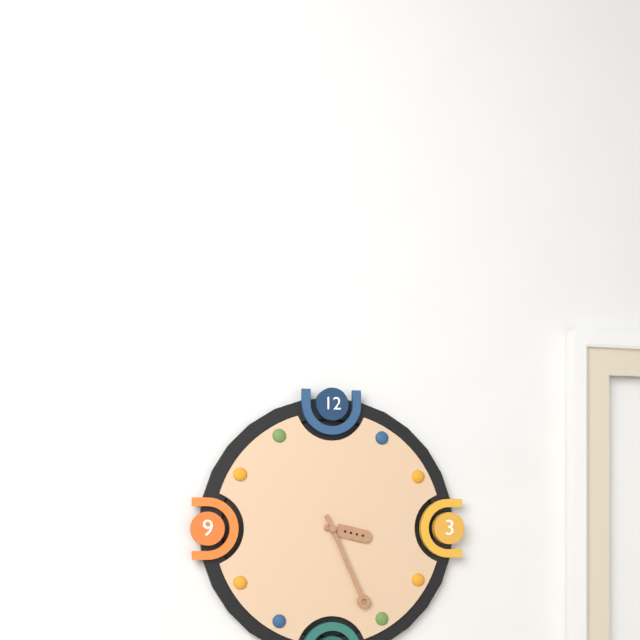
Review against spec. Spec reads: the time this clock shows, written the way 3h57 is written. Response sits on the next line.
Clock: 3h26
